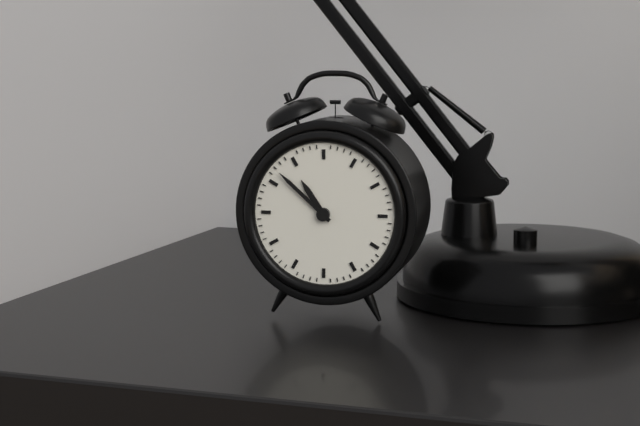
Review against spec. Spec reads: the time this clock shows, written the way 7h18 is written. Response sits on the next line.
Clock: 10h52
